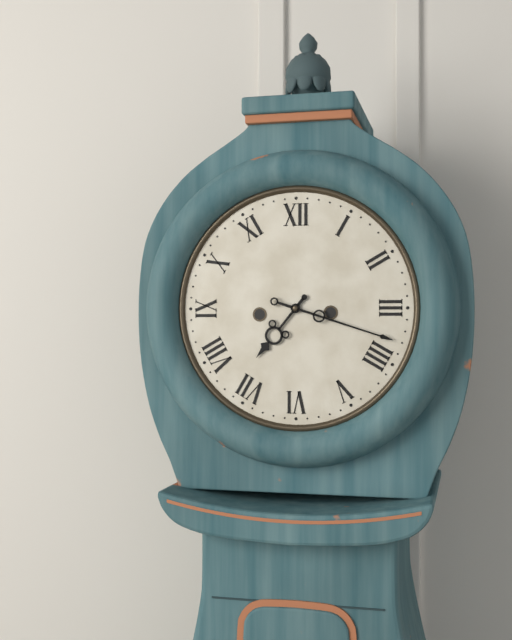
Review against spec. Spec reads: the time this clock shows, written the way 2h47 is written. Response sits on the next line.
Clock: 7h18
